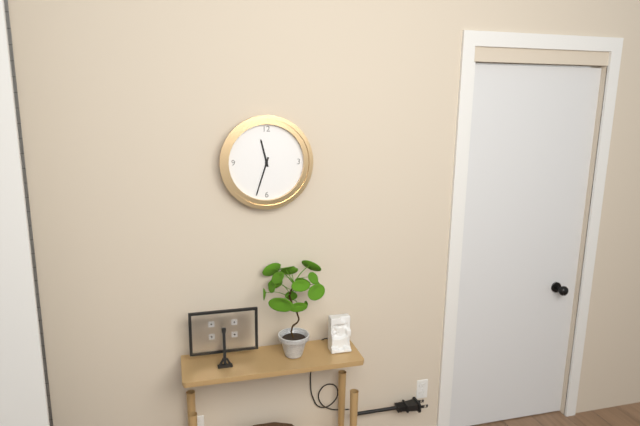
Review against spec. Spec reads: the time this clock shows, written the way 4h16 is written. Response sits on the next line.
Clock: 11h33
